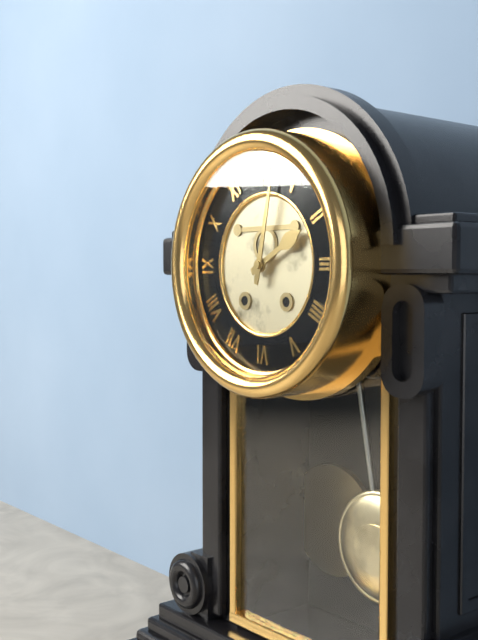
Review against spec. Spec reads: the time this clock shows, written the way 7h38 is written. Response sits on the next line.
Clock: 2h02
